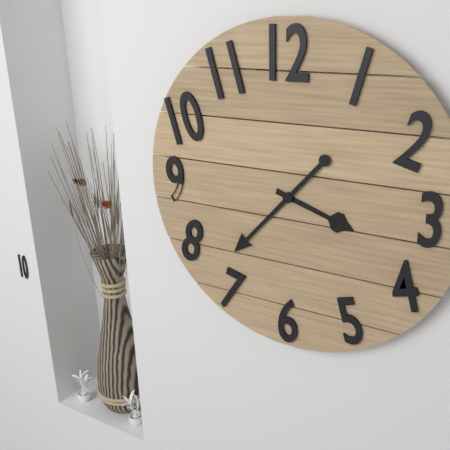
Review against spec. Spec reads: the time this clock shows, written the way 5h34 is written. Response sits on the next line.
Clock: 3h37
